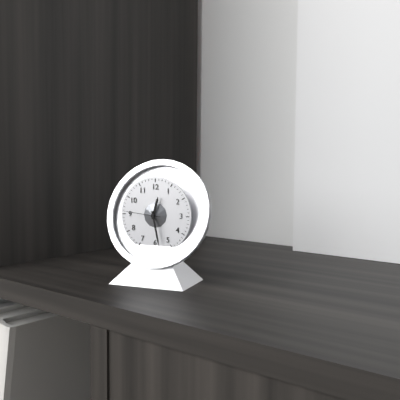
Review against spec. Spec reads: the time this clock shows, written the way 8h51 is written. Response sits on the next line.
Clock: 12h28
